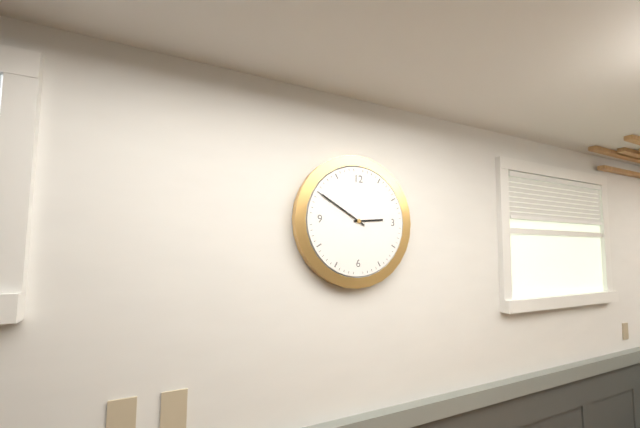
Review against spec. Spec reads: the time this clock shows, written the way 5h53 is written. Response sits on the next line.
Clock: 2h50
